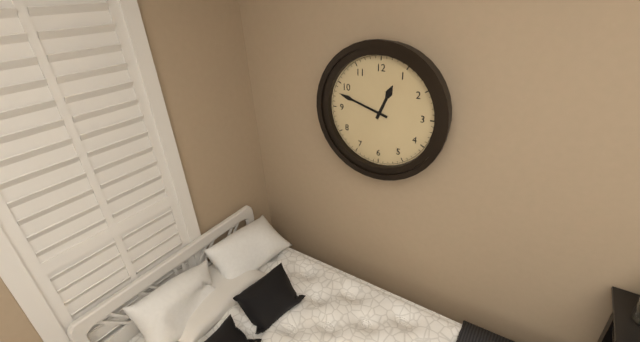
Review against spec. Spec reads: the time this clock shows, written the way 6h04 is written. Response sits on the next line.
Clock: 12h48
